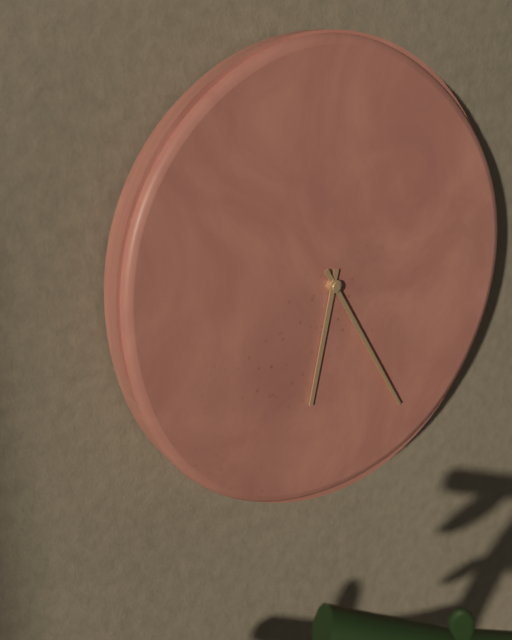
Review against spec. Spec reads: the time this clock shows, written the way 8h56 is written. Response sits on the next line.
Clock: 6h25
